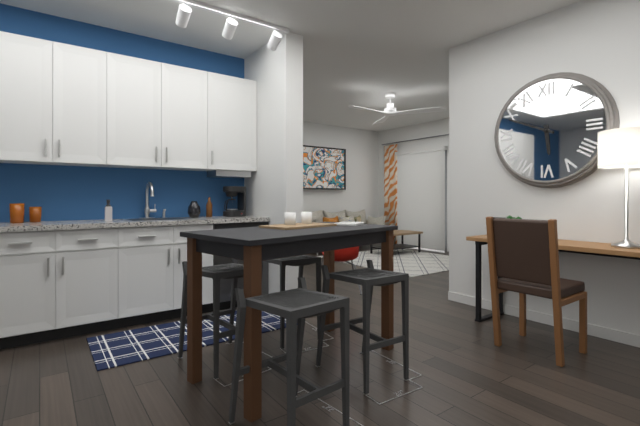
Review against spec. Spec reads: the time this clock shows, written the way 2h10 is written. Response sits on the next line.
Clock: 5h49
